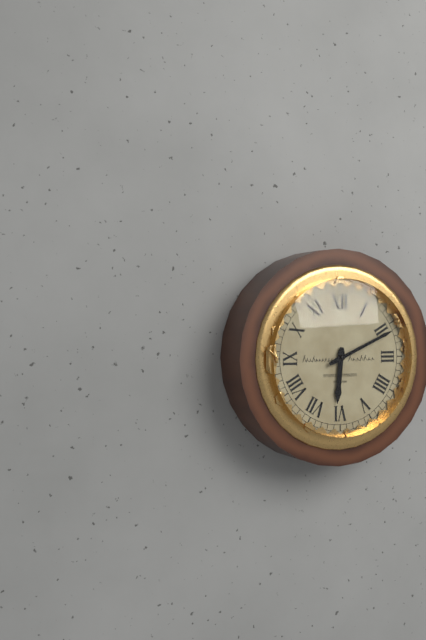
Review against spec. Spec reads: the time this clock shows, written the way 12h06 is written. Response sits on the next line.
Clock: 6h11
